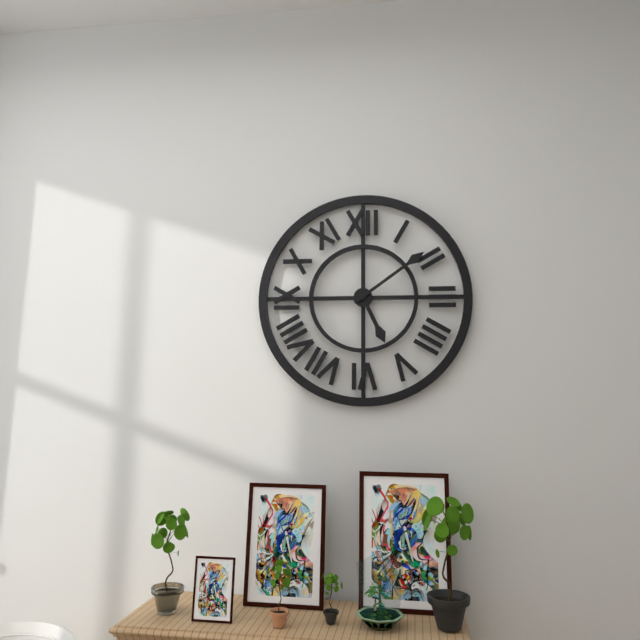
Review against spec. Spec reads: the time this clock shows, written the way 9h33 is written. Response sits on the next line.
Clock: 5h09
